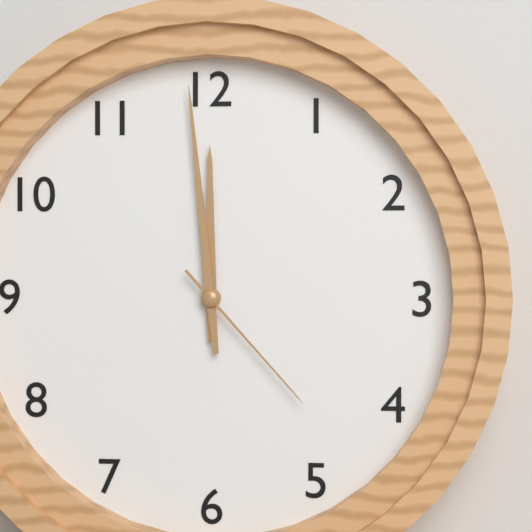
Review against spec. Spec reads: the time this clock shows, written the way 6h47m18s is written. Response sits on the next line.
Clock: 11h59m23s
